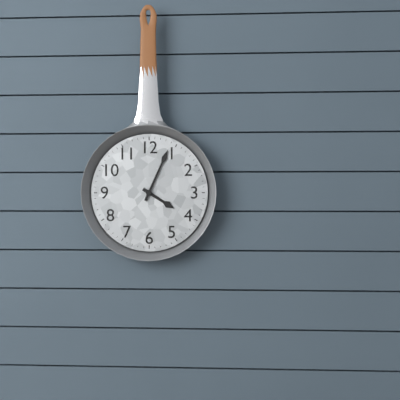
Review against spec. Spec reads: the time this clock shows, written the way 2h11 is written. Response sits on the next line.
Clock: 4h04
